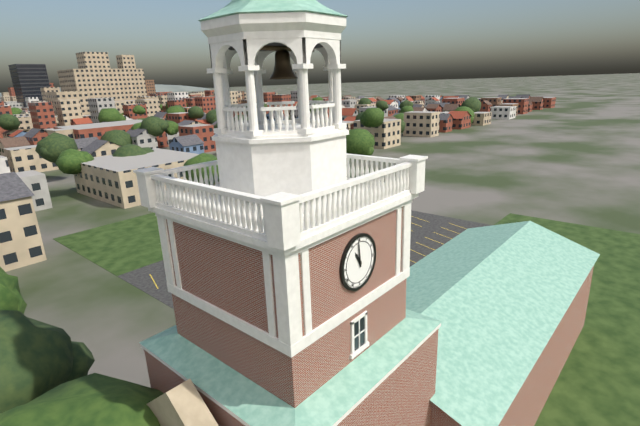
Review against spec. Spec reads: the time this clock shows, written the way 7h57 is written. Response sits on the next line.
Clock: 10h59
